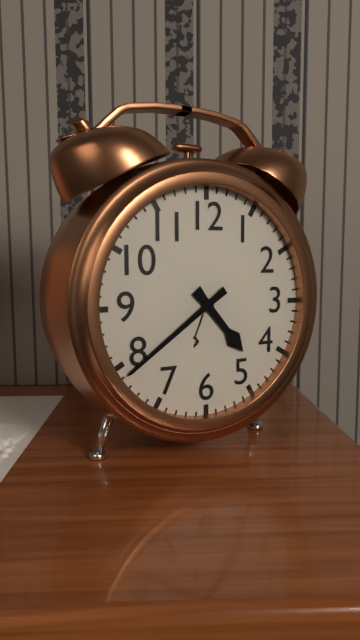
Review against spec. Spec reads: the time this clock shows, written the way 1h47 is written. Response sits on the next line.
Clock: 4h39
